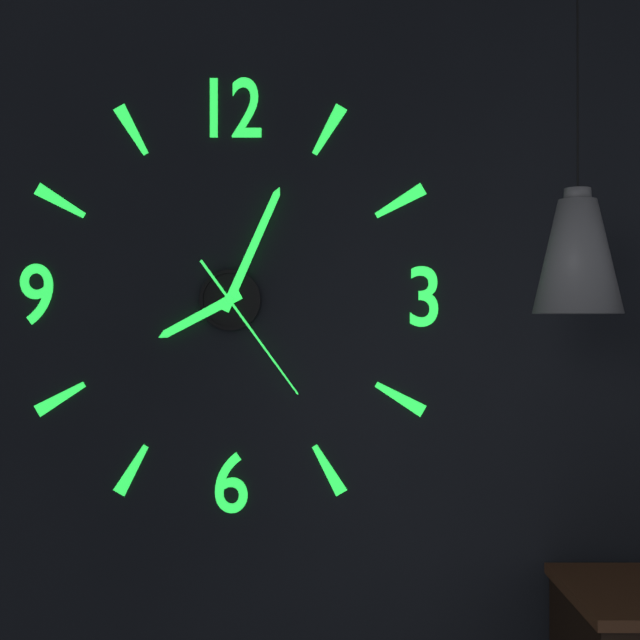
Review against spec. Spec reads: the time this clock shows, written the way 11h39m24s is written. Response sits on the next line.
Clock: 8h04m24s
